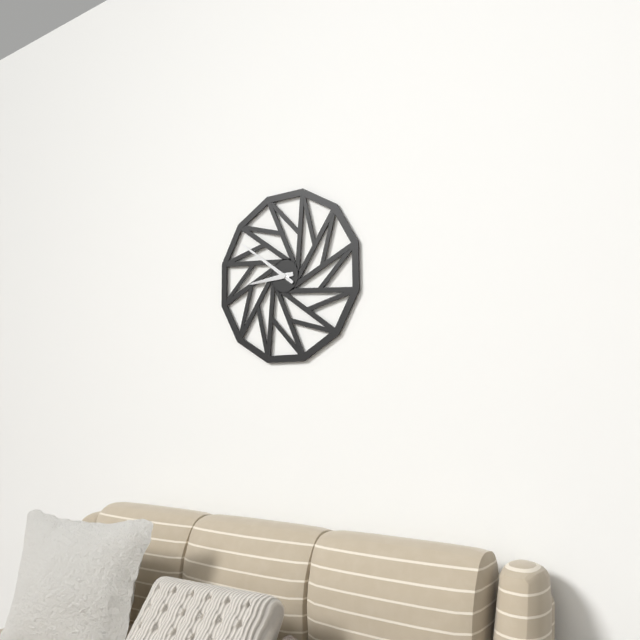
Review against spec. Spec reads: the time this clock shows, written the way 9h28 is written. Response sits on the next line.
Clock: 8h51
